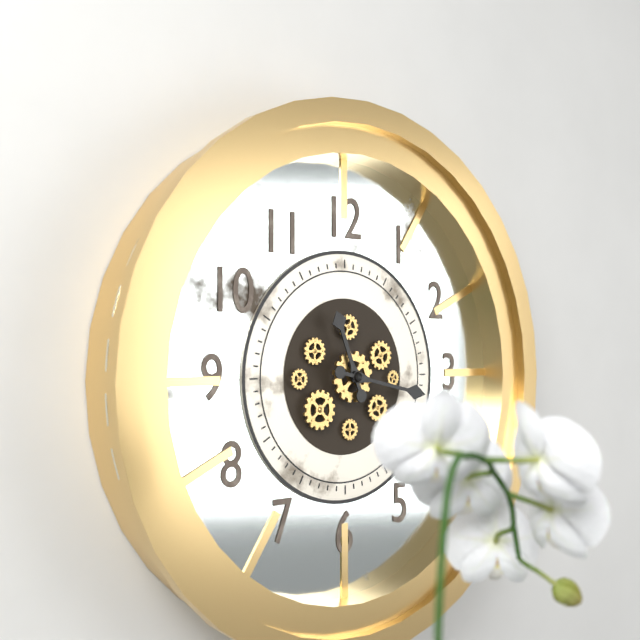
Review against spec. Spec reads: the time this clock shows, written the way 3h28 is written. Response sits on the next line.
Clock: 11h17
